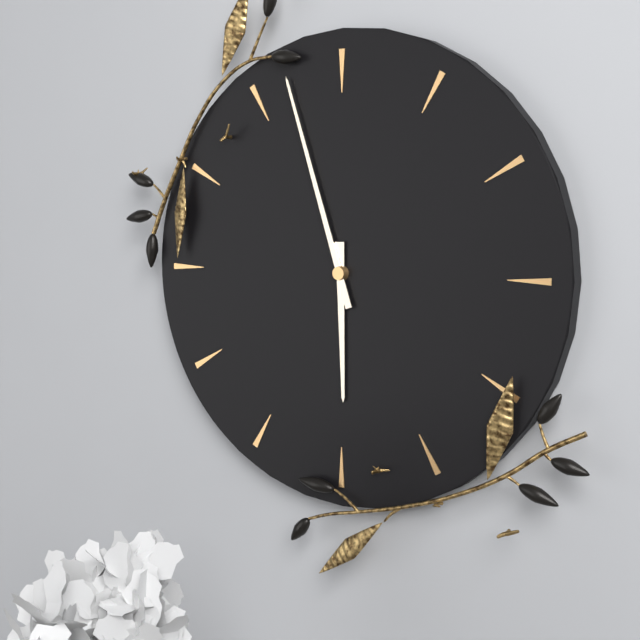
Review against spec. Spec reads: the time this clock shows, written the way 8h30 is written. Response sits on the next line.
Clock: 5h57
